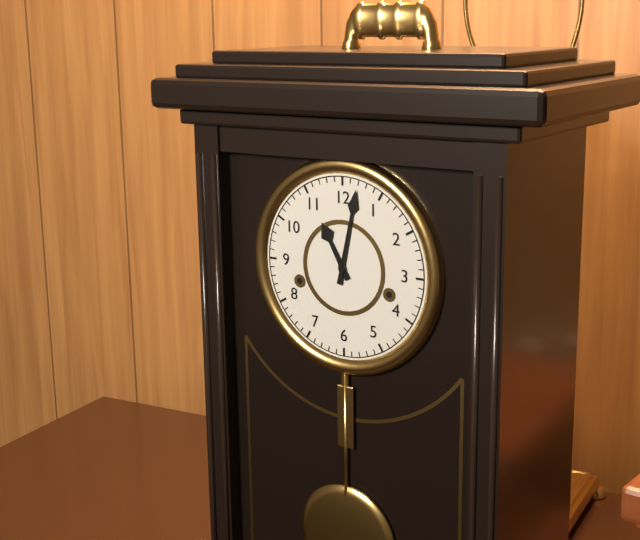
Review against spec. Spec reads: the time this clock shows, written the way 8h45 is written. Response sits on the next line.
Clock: 11h02
